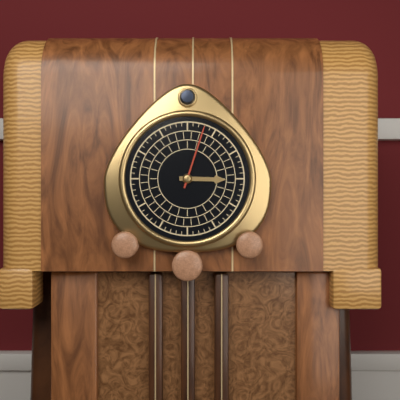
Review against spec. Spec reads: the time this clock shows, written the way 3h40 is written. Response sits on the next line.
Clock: 3h03
